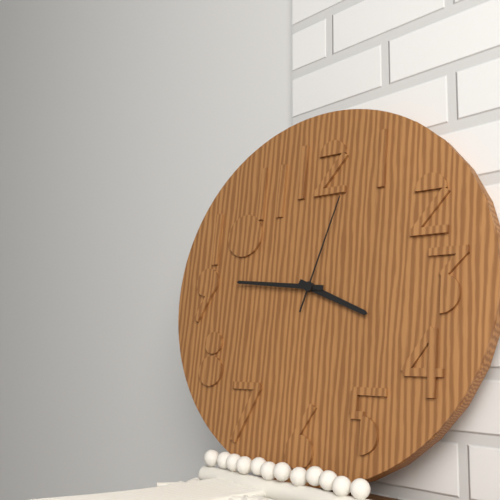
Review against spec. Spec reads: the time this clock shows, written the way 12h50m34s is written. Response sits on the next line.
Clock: 3h46m03s
